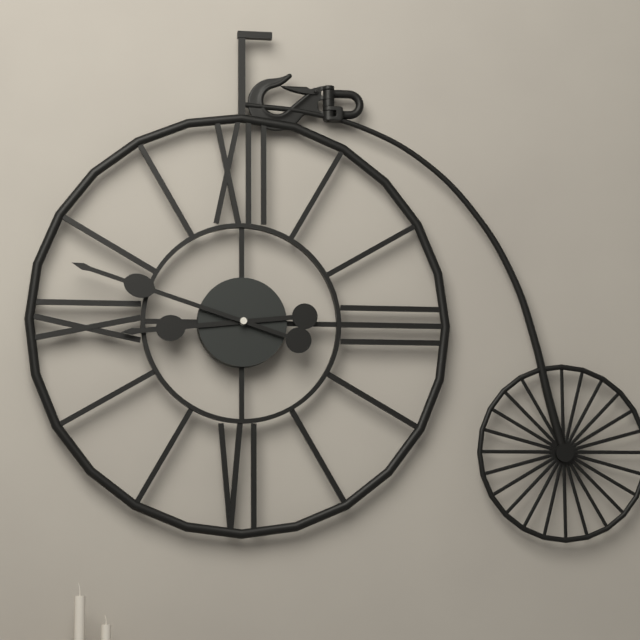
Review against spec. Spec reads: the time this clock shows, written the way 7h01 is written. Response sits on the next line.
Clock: 8h48
